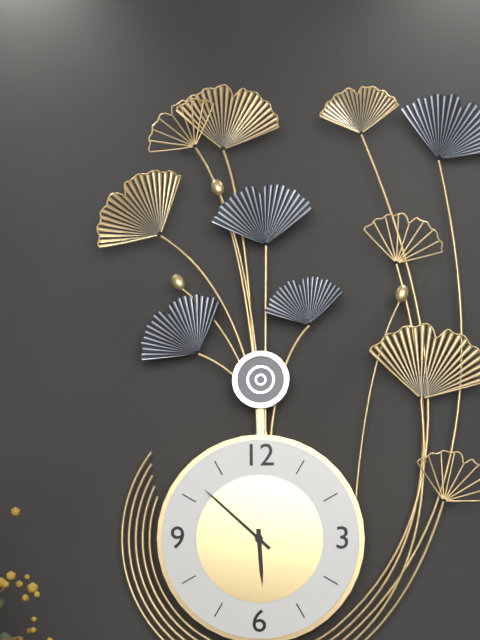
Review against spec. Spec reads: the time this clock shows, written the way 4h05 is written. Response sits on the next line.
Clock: 5h52
